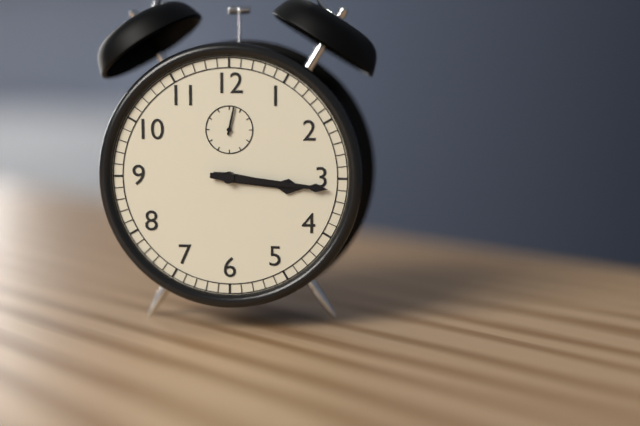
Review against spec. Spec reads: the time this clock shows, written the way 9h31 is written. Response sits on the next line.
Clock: 3h16
